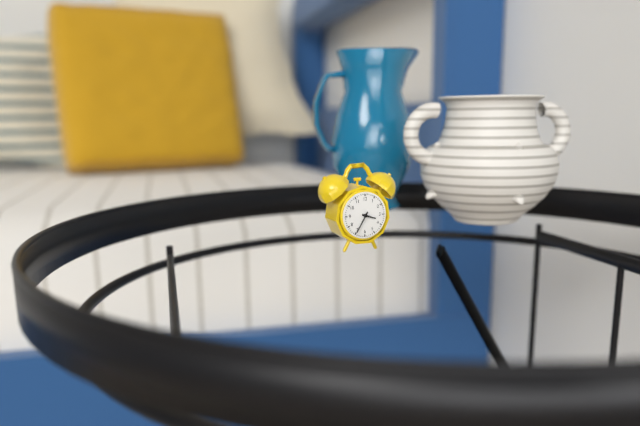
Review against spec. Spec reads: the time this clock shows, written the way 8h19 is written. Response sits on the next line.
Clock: 3h35
